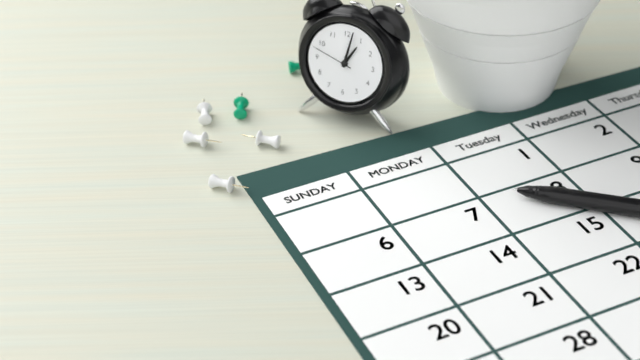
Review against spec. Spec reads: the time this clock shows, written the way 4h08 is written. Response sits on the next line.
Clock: 1h02
